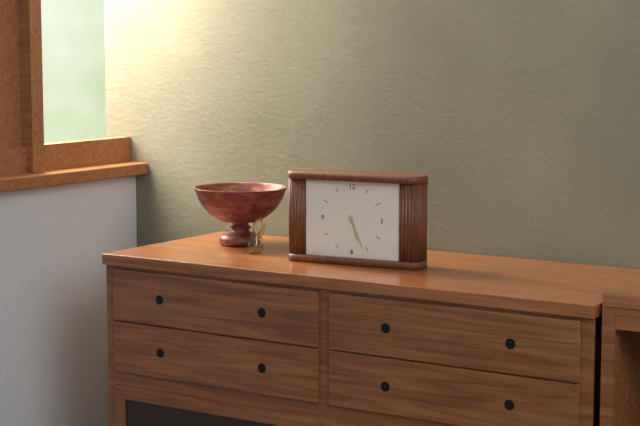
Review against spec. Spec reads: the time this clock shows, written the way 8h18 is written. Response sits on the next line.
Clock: 5h26
